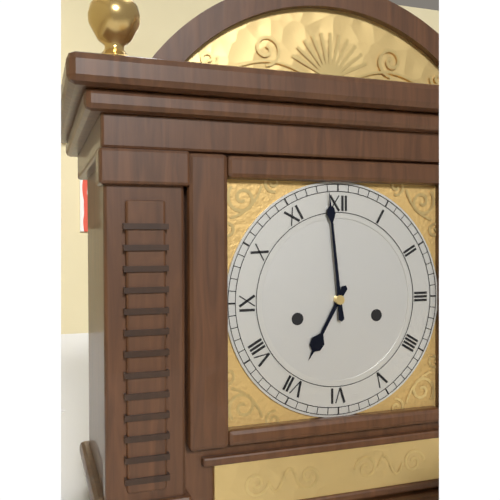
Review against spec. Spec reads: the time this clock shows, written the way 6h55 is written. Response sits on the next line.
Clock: 6h59
